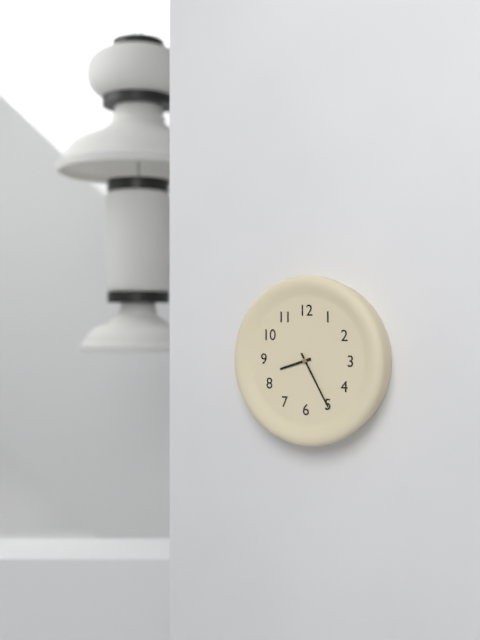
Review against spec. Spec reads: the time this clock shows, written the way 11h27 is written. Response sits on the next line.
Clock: 8h25
